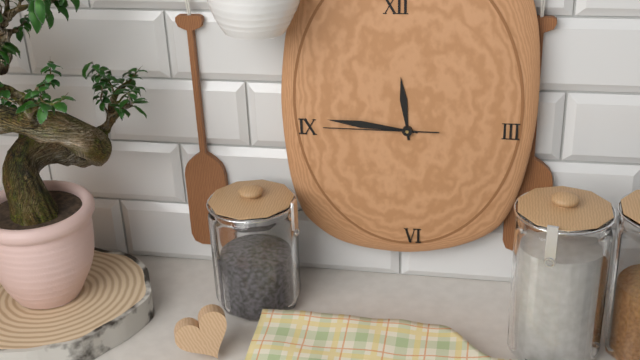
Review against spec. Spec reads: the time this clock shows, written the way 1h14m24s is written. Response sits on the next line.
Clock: 11h46m45s
